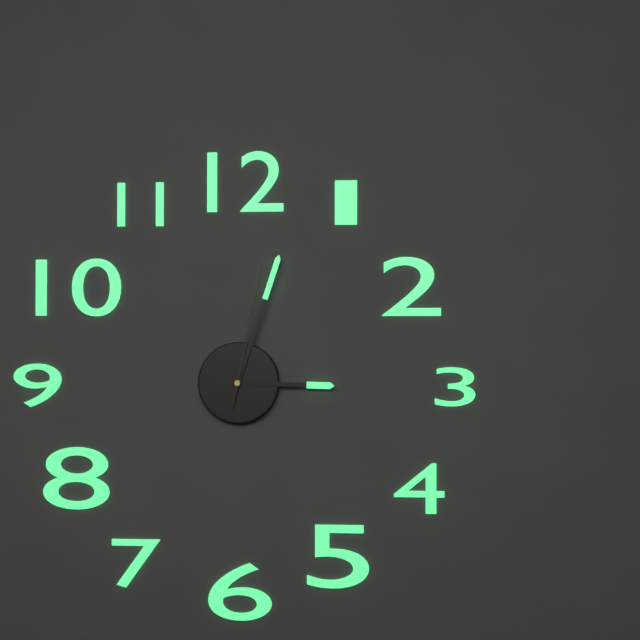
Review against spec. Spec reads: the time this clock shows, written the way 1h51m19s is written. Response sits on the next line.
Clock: 3h03m02s
